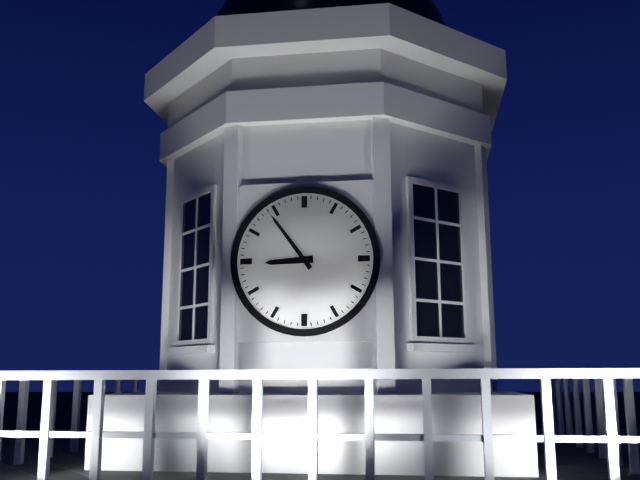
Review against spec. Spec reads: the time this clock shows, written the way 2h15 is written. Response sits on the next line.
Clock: 8h54
